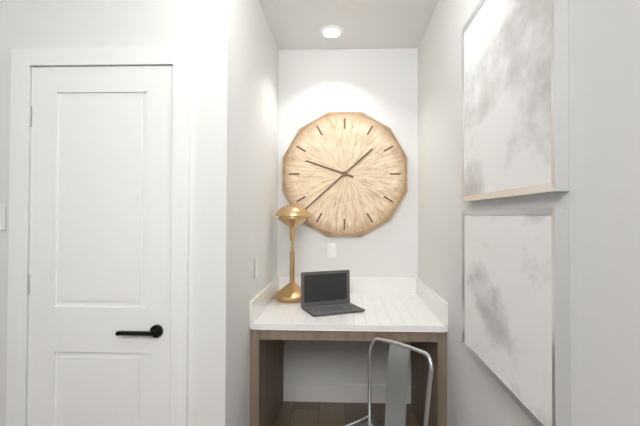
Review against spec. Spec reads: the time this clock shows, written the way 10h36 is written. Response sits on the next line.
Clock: 9h38
